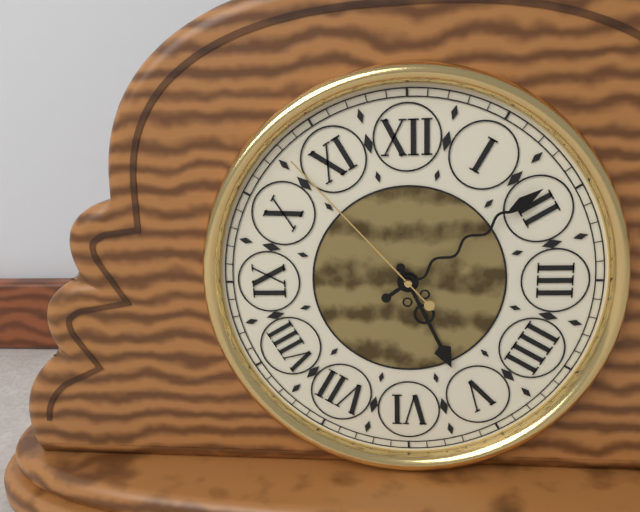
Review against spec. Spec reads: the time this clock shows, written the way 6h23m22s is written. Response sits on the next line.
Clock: 5h09m53s
